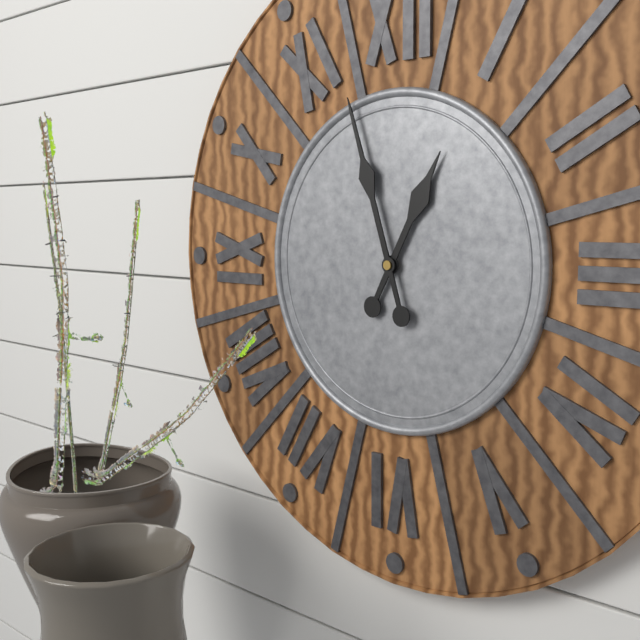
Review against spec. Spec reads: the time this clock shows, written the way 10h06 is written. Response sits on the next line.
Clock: 12h57
